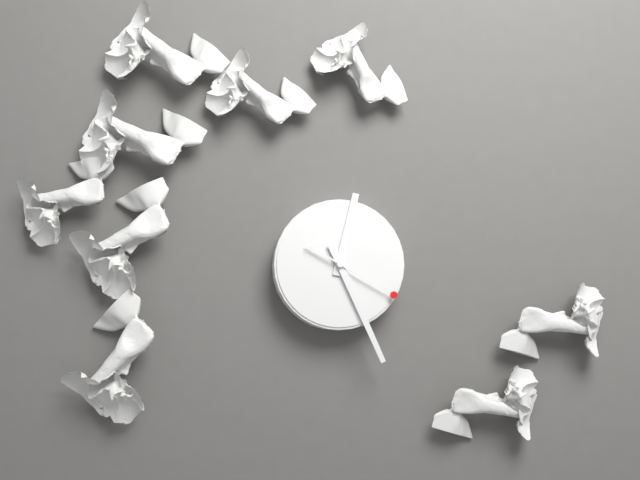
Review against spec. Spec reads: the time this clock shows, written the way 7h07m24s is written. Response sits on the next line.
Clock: 12h26m20s
